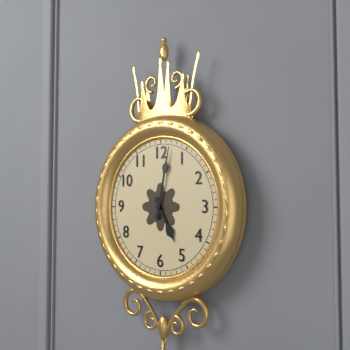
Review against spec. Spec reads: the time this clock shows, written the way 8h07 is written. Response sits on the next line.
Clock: 5h02
